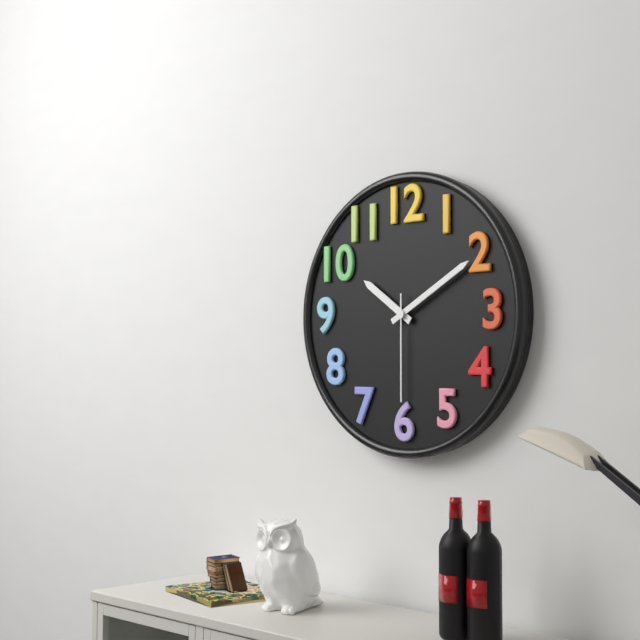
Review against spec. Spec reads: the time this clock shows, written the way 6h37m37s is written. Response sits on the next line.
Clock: 10h10m30s
